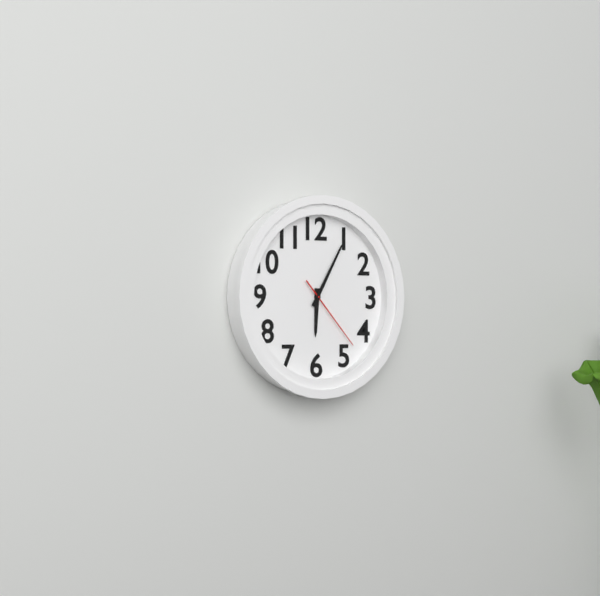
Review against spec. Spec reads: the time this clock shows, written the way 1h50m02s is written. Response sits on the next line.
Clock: 6h05m23s
